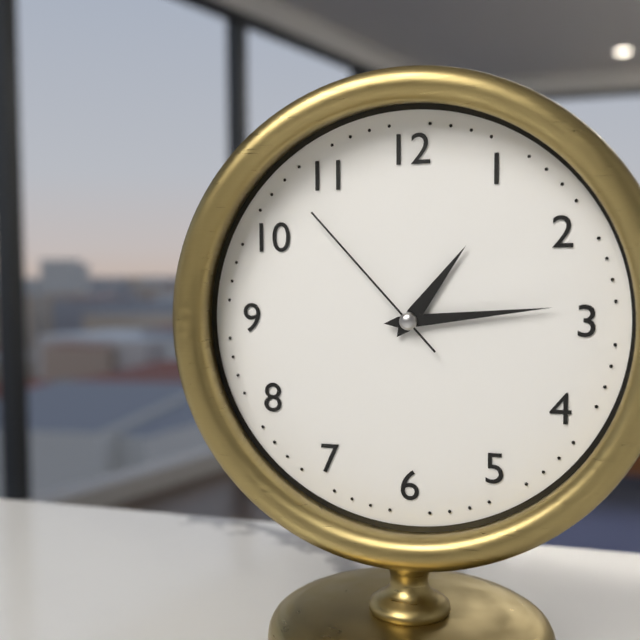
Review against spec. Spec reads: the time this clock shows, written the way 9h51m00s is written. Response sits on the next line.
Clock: 1h14m53s
